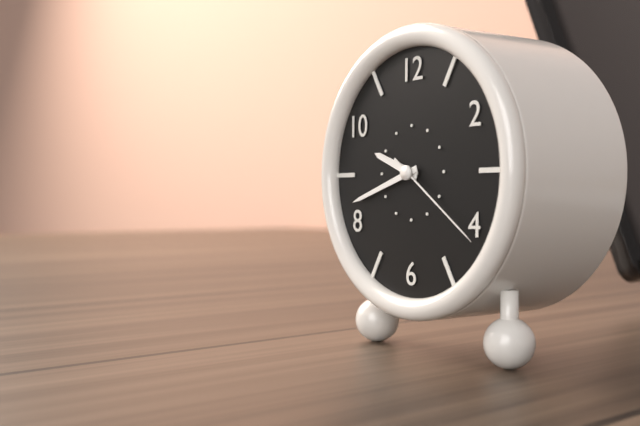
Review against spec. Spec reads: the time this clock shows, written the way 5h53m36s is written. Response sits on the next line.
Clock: 9h42m21s
